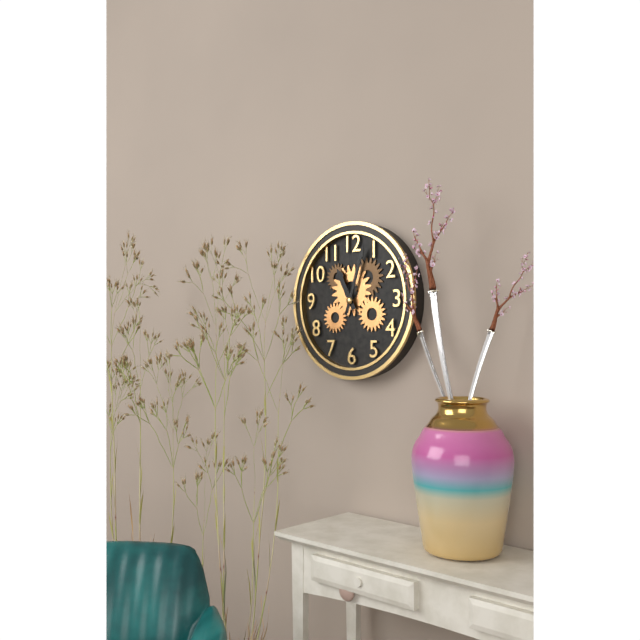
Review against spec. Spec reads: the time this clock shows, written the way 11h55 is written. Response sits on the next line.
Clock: 11h03
